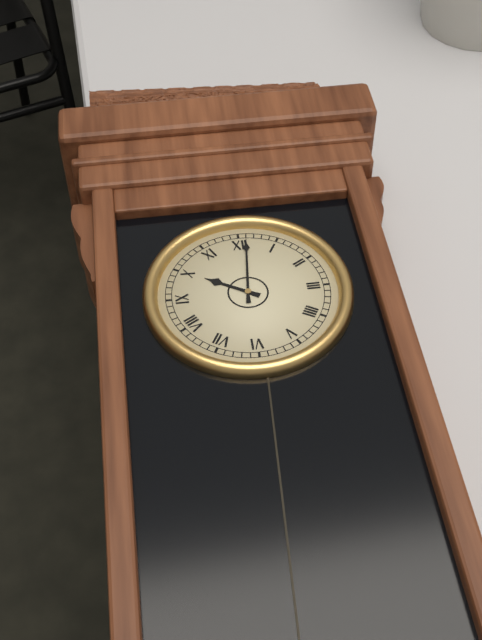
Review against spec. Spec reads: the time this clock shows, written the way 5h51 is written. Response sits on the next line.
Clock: 10h01
